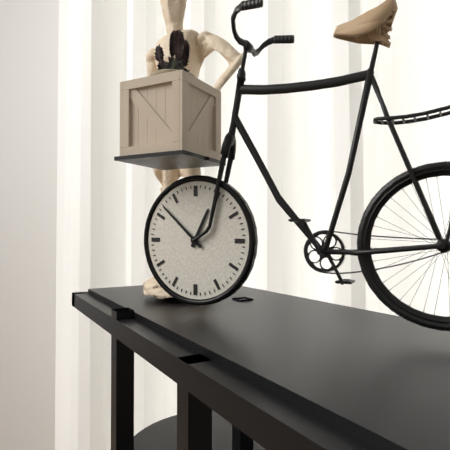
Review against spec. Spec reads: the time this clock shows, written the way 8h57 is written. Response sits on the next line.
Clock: 12h52
